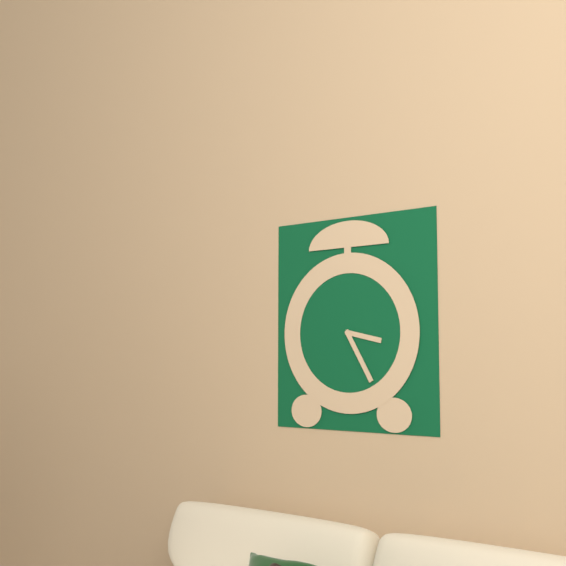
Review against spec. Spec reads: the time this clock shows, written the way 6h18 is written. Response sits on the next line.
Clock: 3h25
